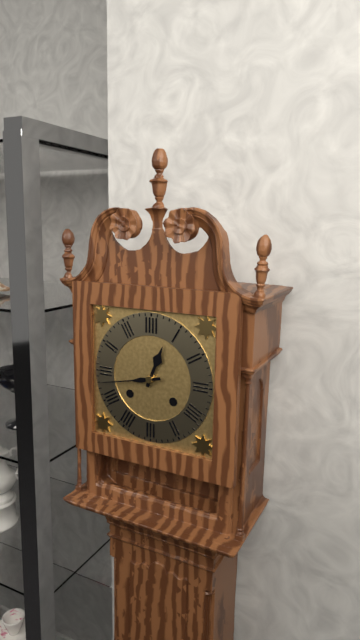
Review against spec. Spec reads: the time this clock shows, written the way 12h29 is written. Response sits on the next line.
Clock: 12h43
